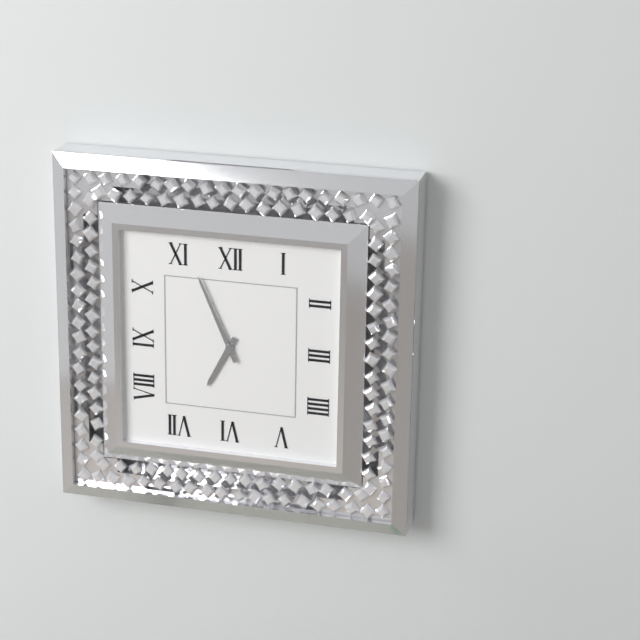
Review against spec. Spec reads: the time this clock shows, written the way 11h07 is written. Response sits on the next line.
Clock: 6h56
